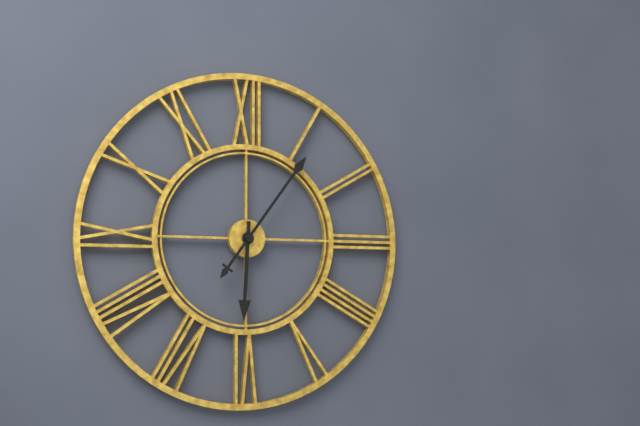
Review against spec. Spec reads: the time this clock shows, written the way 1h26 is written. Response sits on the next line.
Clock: 6h06
